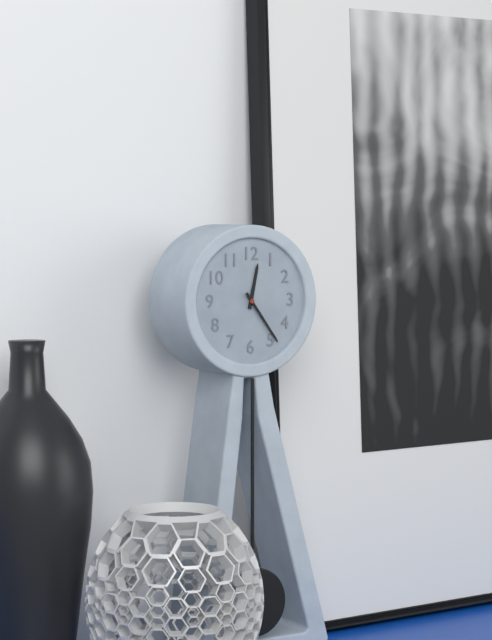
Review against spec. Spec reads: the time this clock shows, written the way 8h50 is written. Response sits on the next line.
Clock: 12h24
